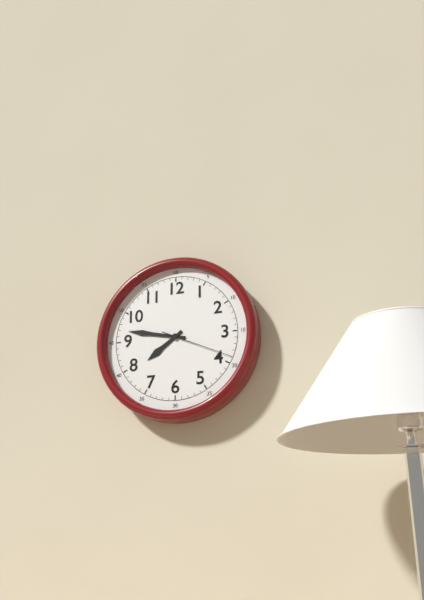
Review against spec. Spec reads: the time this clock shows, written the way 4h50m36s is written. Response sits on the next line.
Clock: 7h47m19s
